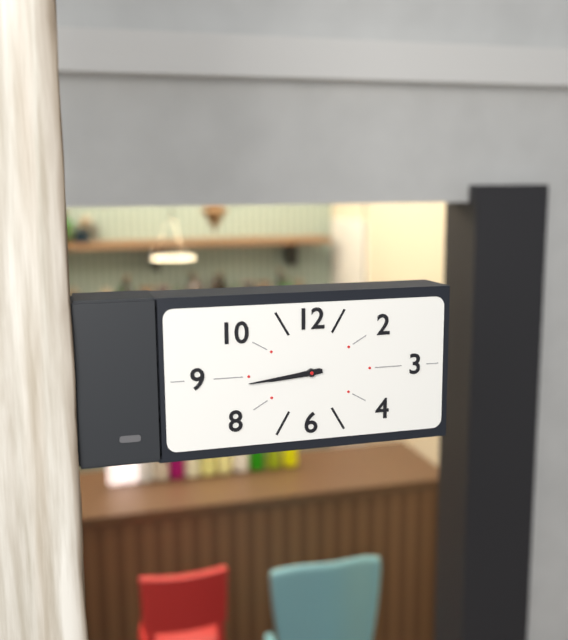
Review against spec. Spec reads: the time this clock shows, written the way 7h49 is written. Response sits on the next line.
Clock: 8h44
